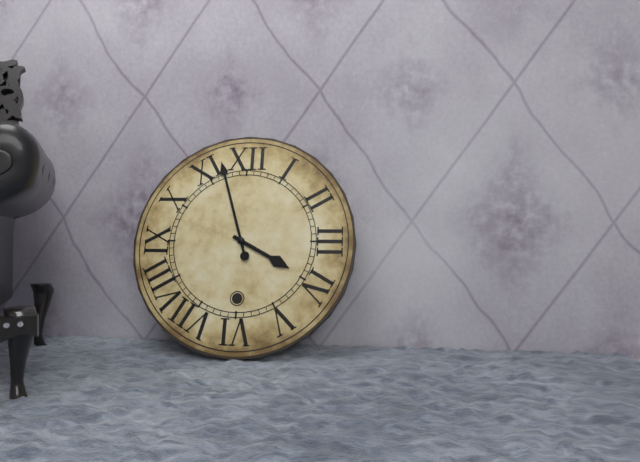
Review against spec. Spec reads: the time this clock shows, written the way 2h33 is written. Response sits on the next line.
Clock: 3h57
